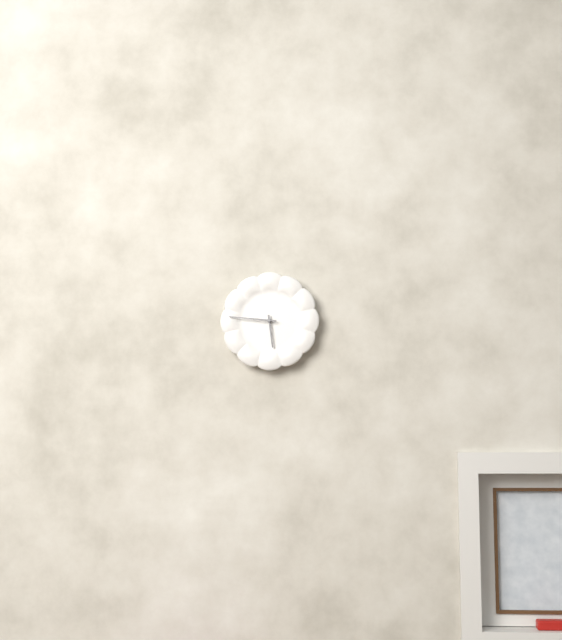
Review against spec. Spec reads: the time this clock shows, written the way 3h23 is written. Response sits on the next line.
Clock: 5h46
